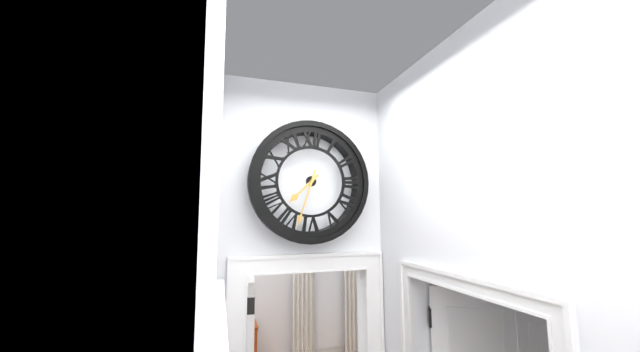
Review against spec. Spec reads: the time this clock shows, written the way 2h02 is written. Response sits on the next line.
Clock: 7h33
